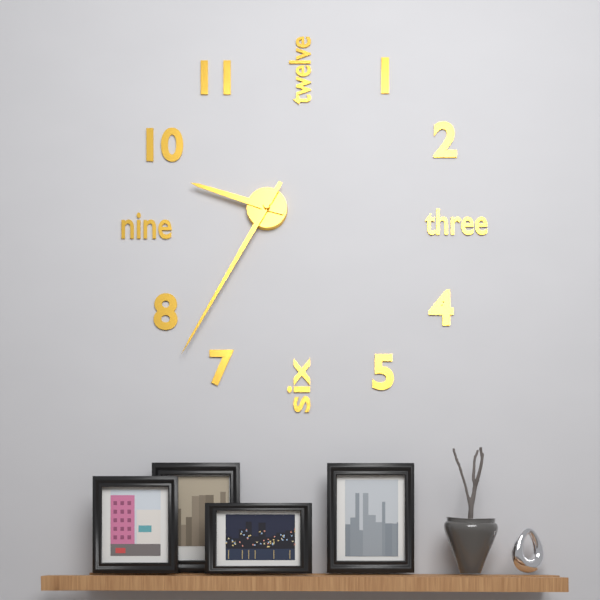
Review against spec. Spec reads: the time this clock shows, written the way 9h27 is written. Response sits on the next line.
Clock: 9h35
